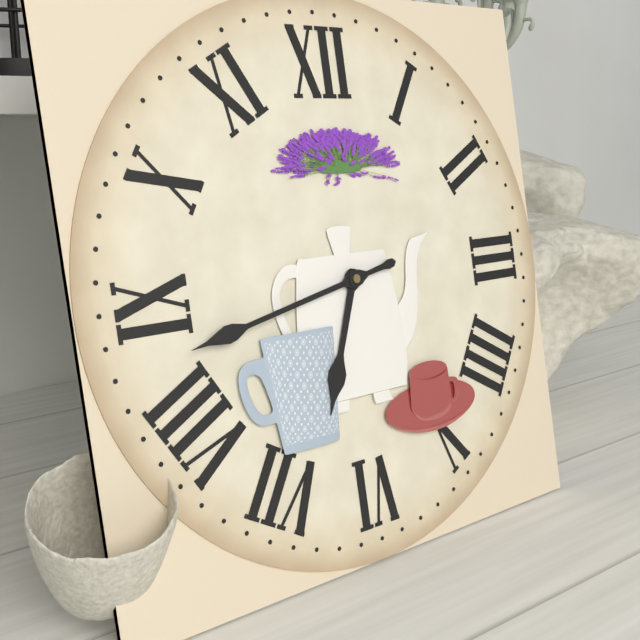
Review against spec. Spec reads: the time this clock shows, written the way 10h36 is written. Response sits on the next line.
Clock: 6h43
